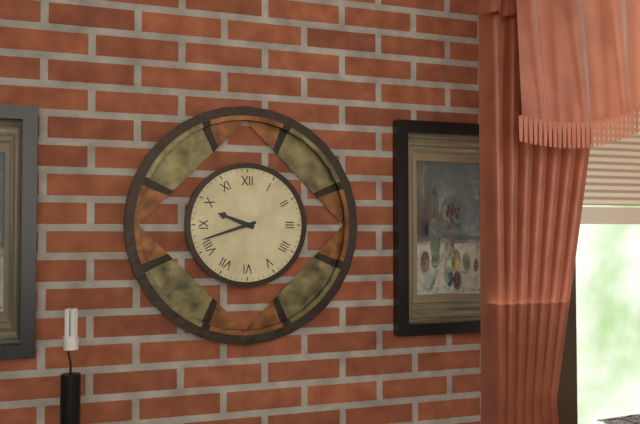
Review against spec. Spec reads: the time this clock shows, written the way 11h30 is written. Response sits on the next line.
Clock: 9h42
